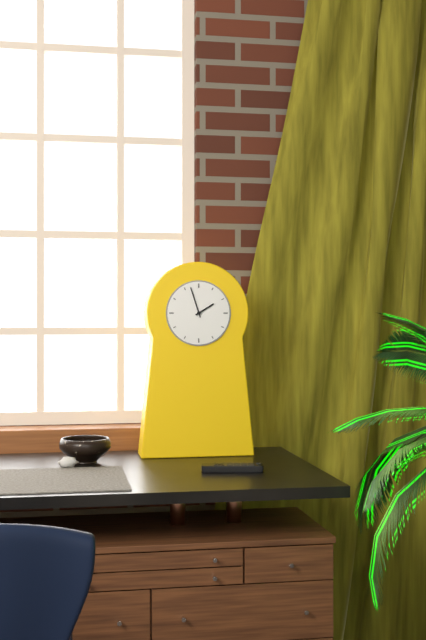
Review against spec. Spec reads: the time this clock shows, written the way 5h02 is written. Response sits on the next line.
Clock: 1h57
